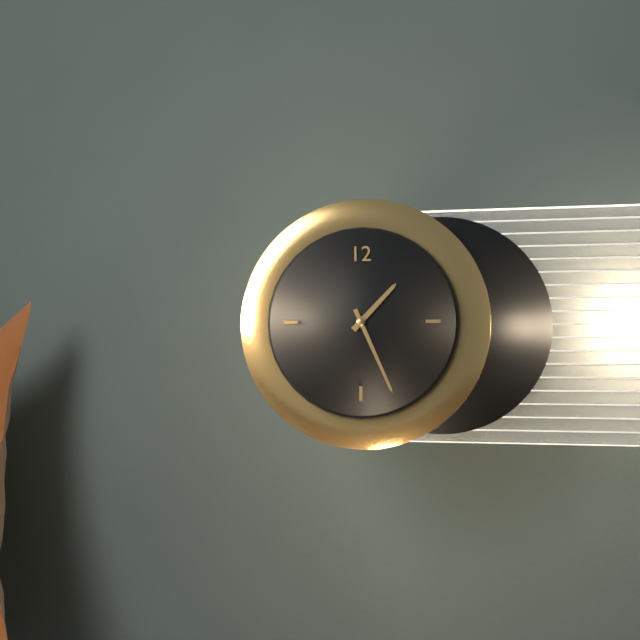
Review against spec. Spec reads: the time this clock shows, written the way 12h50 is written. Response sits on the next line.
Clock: 1h26
